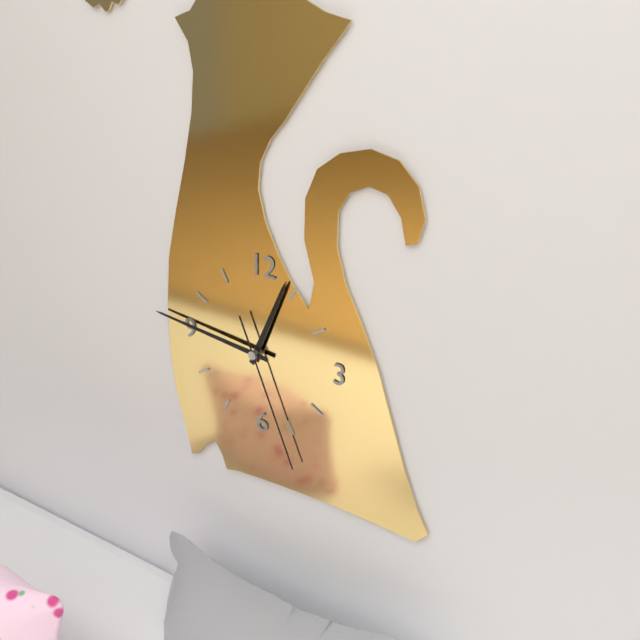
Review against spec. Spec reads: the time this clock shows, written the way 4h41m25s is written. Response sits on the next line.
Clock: 12h46m26s
